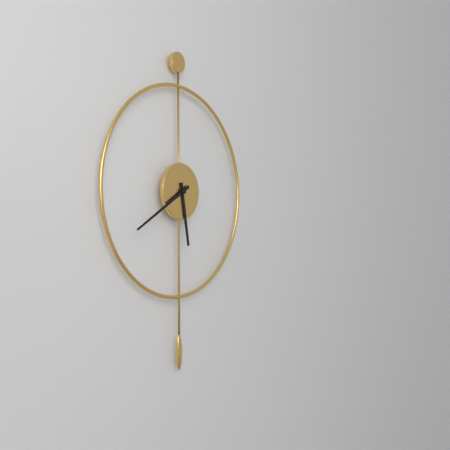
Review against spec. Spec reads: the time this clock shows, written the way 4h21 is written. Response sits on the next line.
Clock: 5h40
